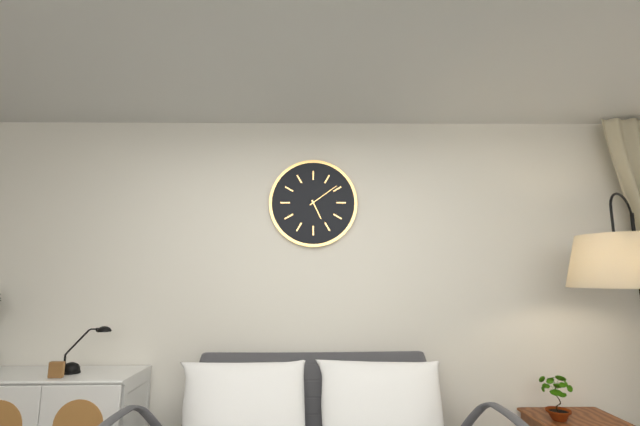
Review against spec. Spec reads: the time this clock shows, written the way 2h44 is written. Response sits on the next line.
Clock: 5h09
